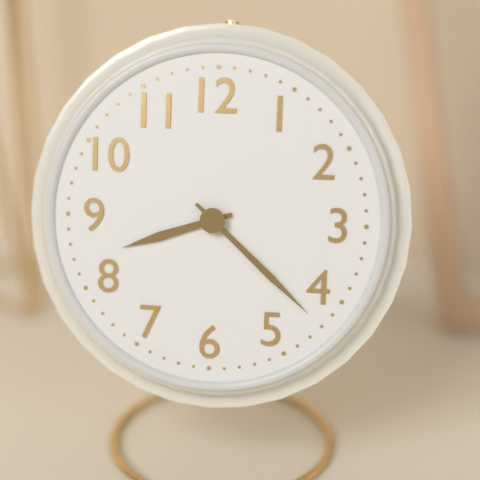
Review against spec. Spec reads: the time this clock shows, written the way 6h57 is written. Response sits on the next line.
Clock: 8h22
